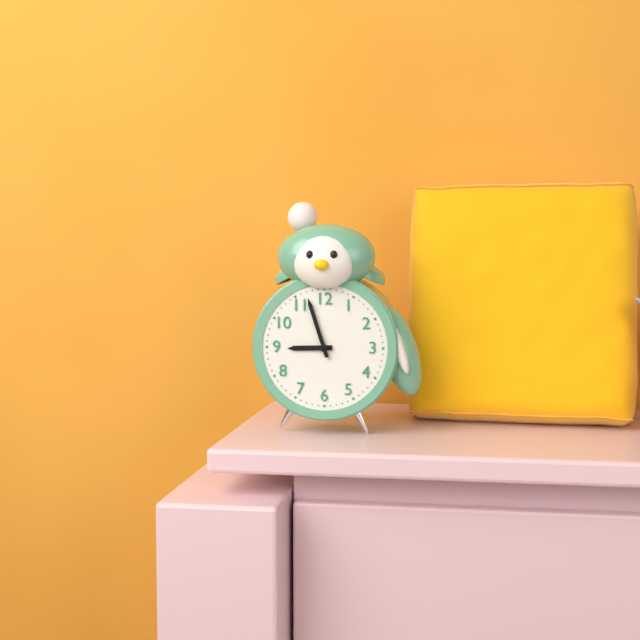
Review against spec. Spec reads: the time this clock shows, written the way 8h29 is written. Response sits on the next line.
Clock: 8h57
